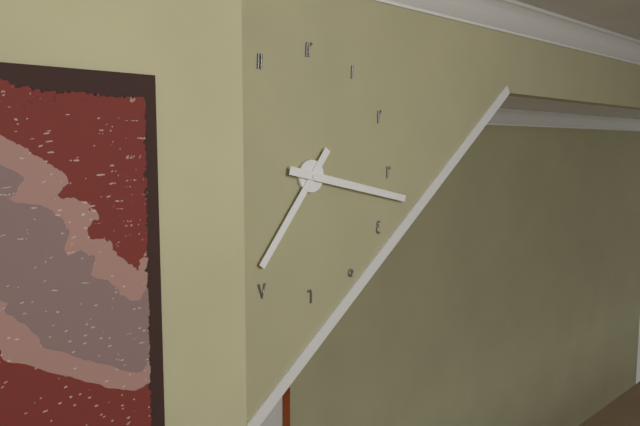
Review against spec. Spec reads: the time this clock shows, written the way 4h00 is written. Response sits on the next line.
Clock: 7h17
